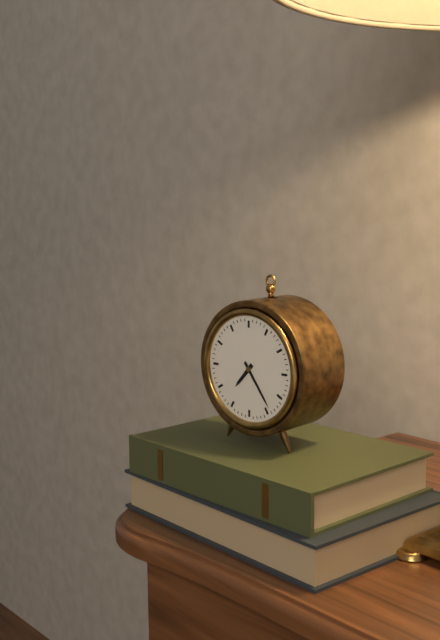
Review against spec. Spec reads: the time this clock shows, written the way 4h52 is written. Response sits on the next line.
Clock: 7h24
